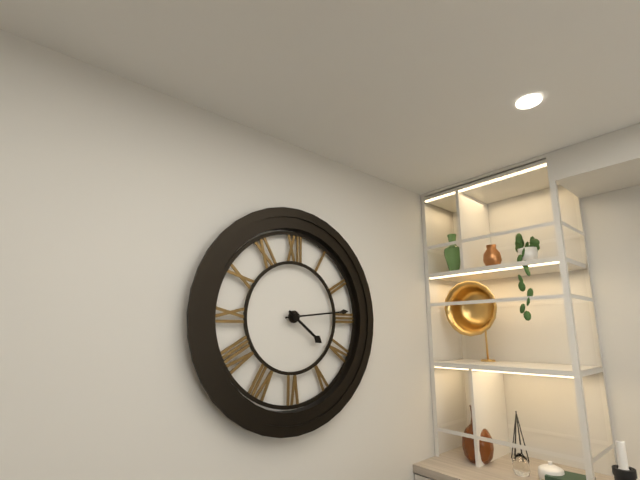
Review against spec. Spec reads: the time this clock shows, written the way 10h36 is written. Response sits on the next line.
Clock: 4h14
